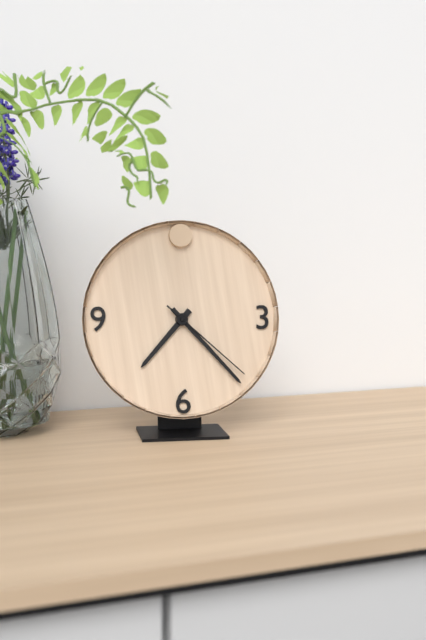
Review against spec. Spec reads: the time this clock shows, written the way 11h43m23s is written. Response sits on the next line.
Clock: 7h23m22s
